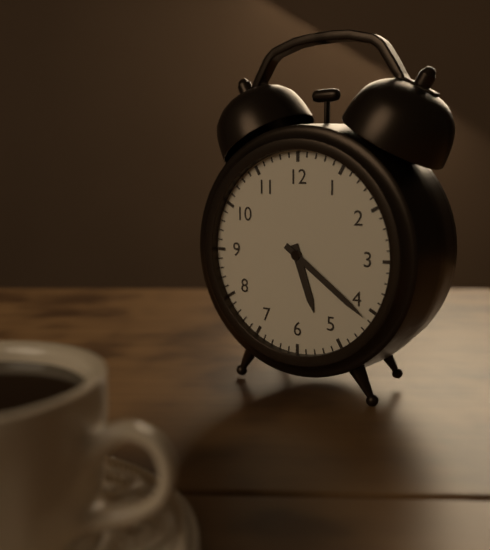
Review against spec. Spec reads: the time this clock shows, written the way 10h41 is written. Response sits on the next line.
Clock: 5h21
